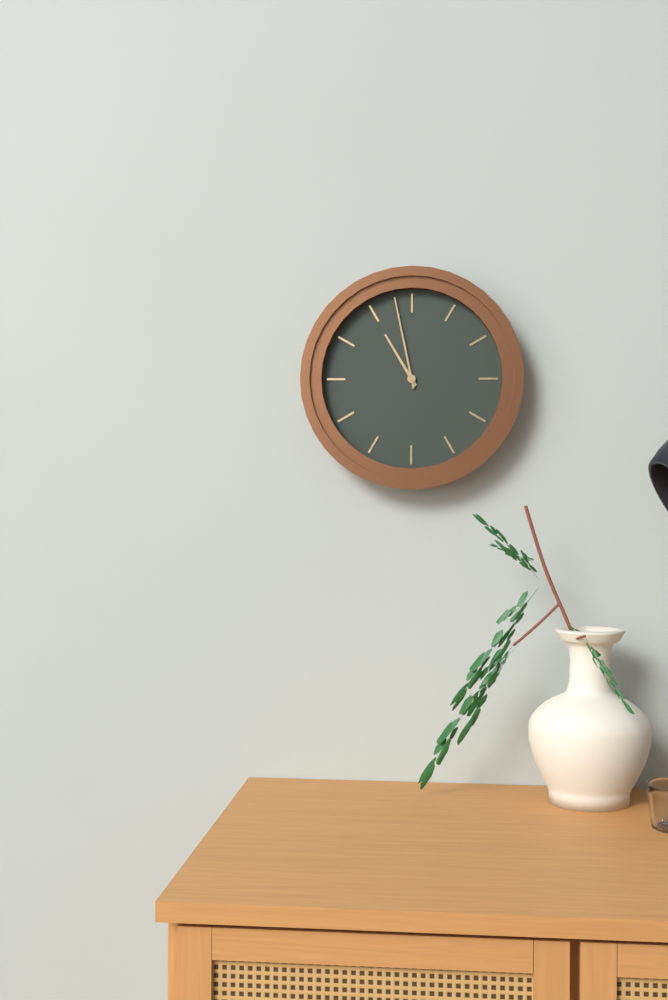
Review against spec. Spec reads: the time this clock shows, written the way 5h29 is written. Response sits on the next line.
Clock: 10h58
